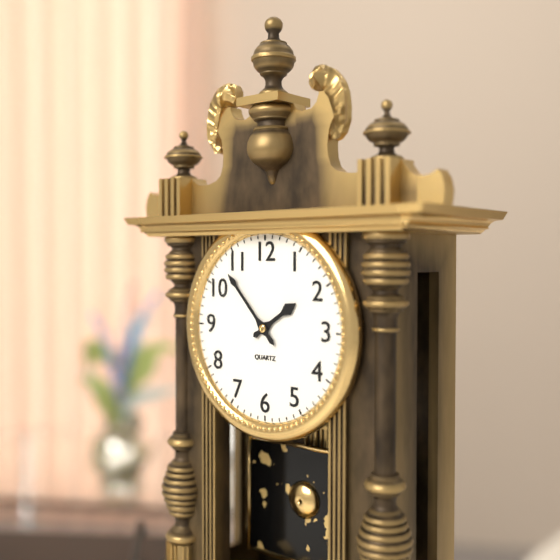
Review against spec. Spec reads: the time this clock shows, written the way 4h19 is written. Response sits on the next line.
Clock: 1h53
